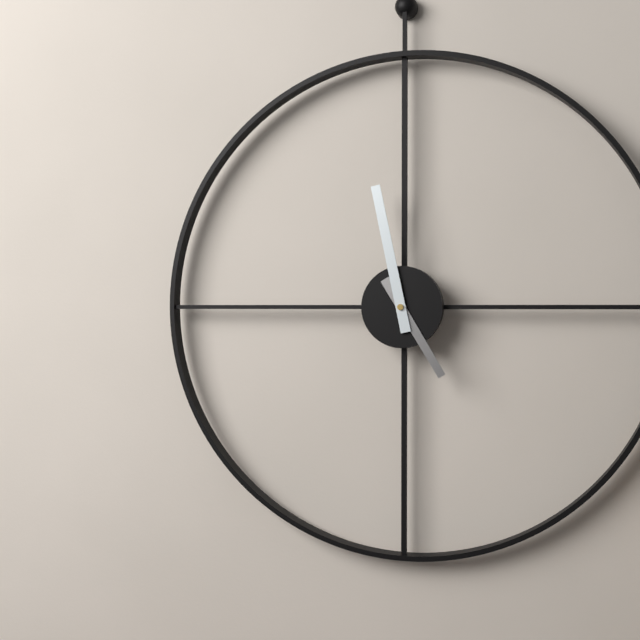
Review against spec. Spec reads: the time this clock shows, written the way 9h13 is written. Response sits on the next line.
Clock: 4h58
